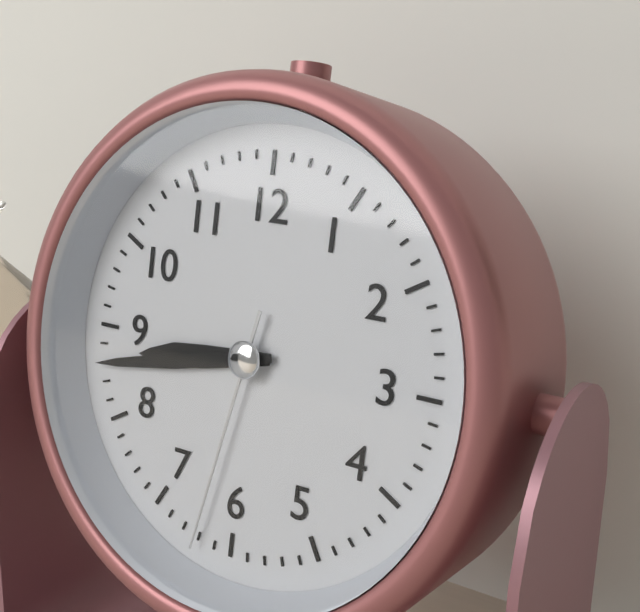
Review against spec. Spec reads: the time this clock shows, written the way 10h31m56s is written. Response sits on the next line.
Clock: 8h43m32s
